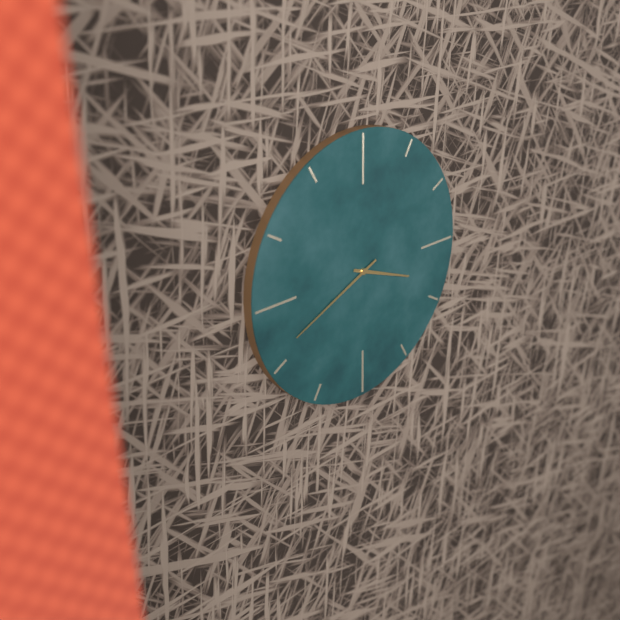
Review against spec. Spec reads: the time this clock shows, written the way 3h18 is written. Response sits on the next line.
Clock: 3h41
